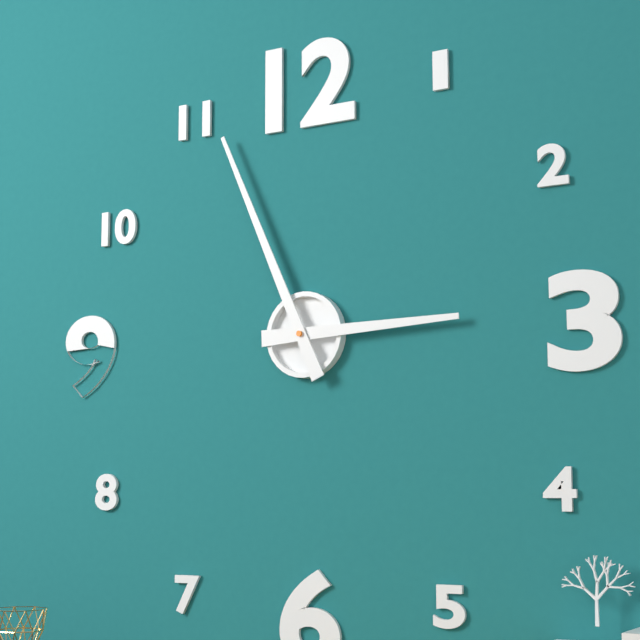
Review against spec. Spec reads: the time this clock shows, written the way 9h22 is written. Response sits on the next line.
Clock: 2h56
